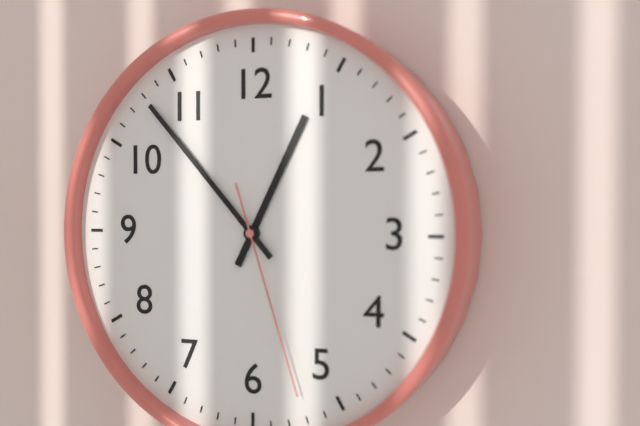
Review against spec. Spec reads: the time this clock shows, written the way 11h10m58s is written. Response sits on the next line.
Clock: 12h53m27s
